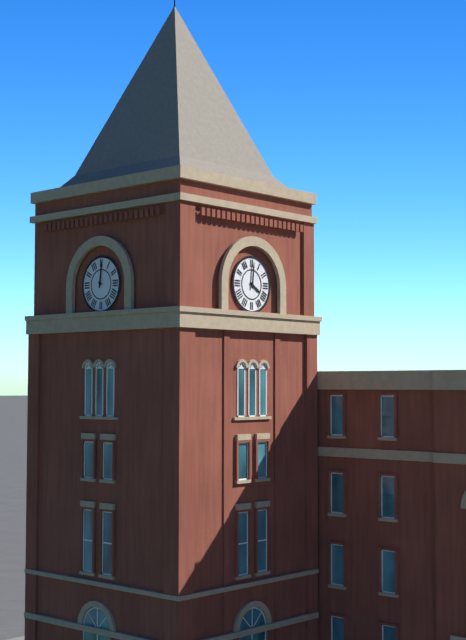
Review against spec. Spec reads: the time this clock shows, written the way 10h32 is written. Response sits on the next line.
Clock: 4h01
